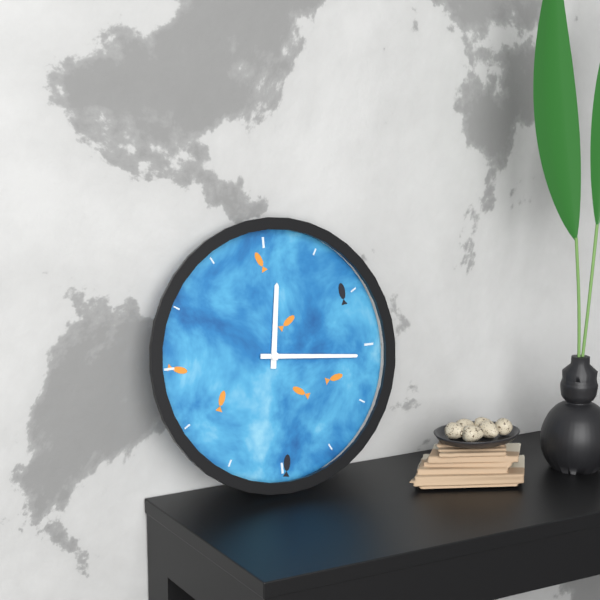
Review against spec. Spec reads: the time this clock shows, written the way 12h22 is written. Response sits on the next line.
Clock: 12h16
